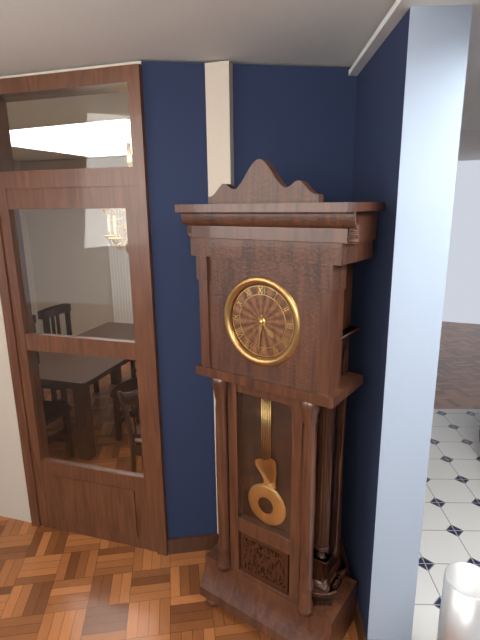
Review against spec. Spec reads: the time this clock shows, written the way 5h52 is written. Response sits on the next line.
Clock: 4h31
